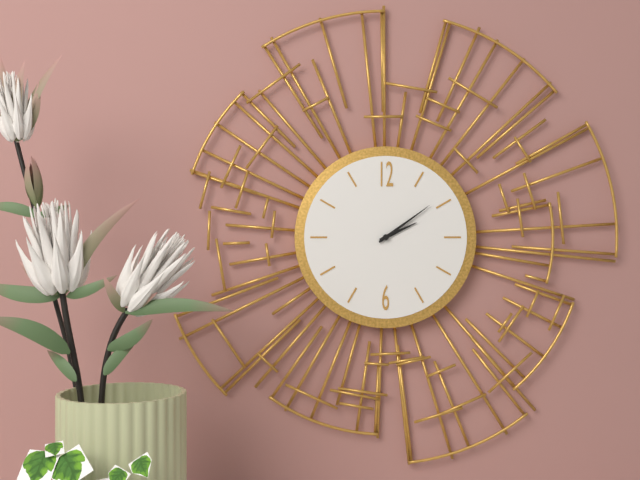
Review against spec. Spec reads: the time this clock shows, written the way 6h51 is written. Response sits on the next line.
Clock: 2h09
